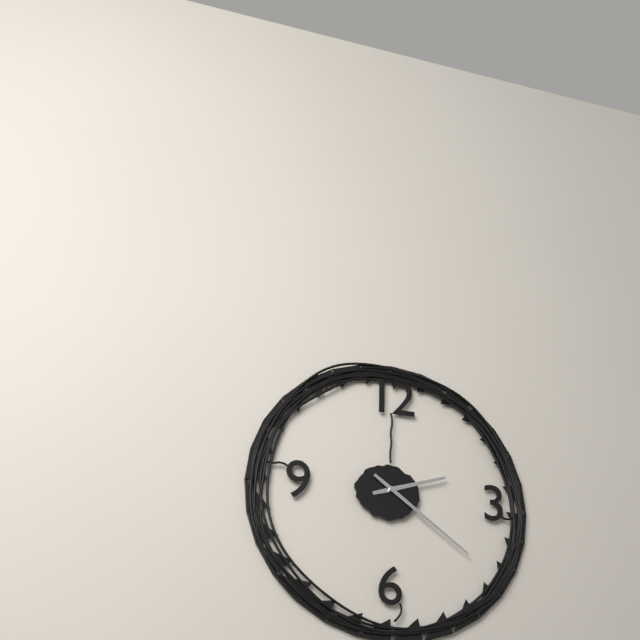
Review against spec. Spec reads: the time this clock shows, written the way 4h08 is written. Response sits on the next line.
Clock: 2h21
